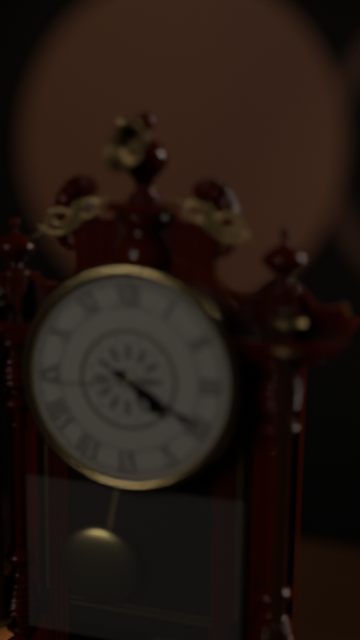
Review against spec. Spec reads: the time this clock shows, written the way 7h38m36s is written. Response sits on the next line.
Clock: 4h20m44s
